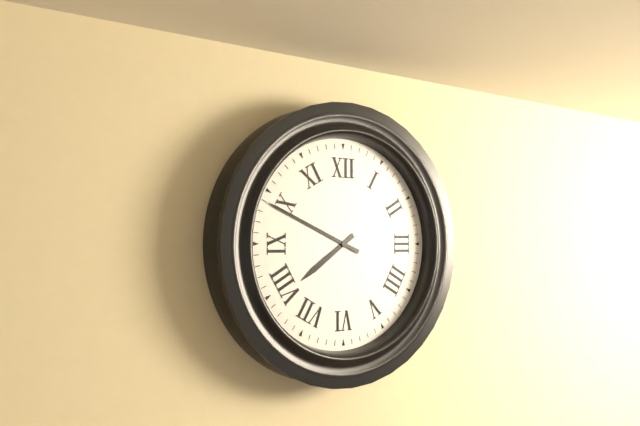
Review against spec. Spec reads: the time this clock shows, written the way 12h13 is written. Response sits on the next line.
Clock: 7h49
